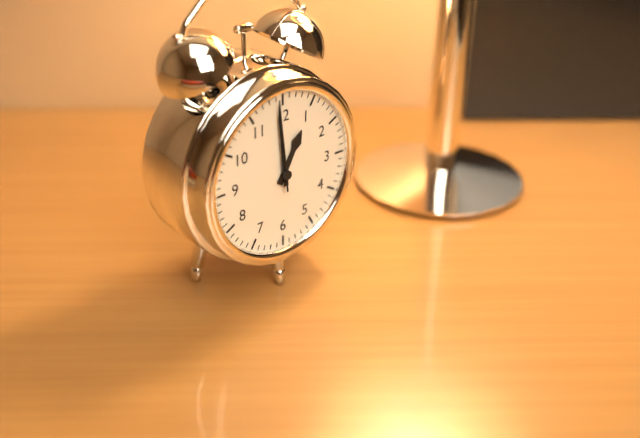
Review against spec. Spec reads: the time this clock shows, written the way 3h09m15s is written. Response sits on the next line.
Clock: 12h59m59s
